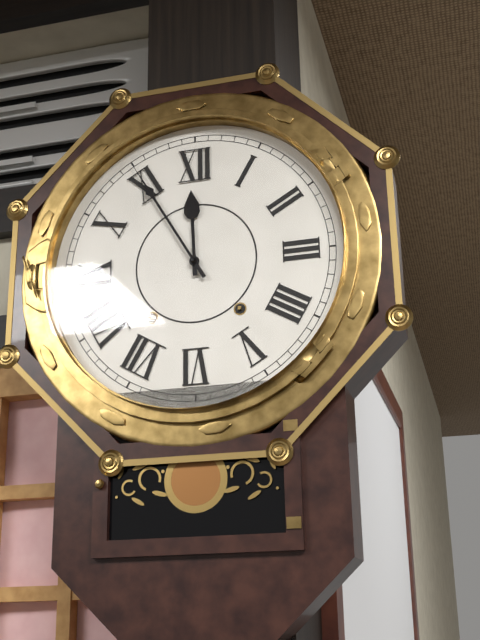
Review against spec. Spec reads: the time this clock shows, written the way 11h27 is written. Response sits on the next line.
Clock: 11h55
